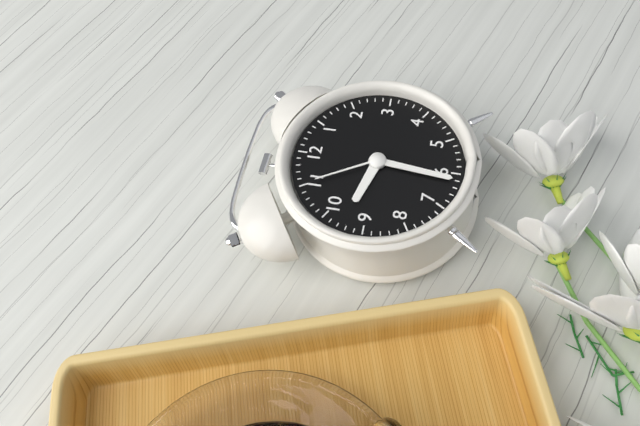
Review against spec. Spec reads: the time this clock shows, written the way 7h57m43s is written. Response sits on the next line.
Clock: 9h31m55s
